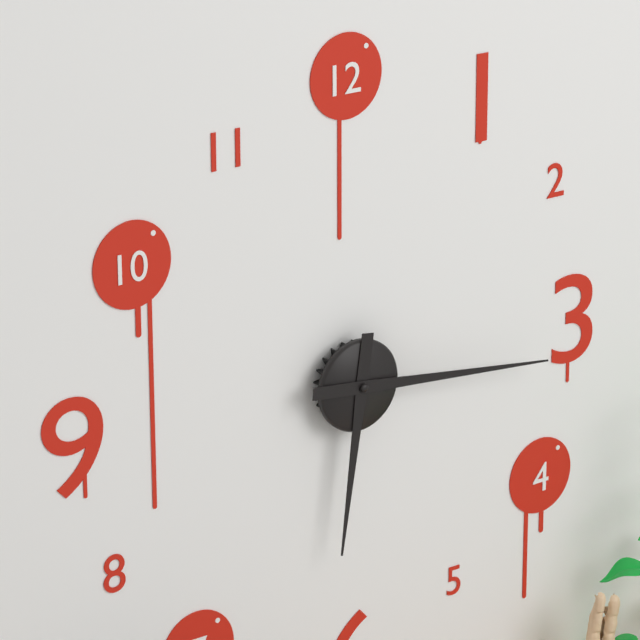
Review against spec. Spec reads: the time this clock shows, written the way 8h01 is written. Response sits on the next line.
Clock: 6h16
